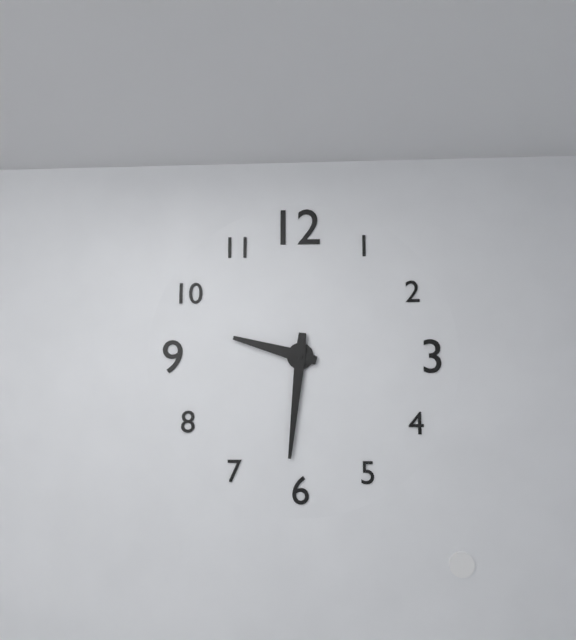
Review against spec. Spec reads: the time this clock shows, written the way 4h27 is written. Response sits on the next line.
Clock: 9h31
